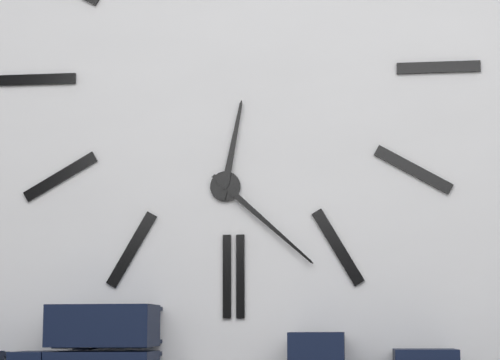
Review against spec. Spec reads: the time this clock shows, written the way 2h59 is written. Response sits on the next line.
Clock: 12h22
